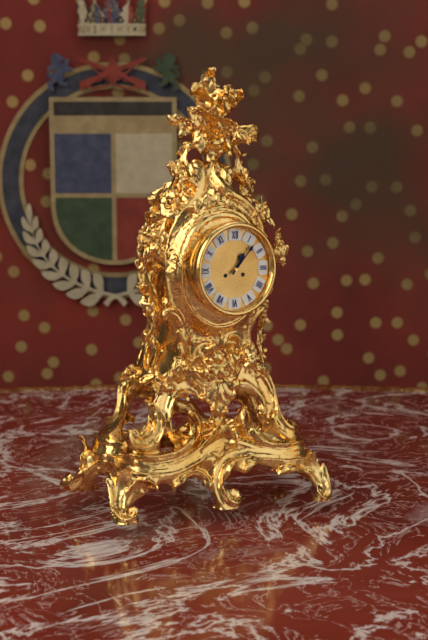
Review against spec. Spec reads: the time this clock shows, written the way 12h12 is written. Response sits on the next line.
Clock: 1h07
